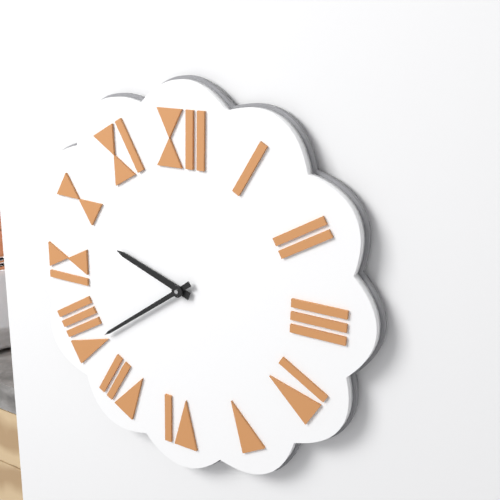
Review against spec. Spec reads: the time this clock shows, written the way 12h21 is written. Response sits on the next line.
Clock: 9h39
